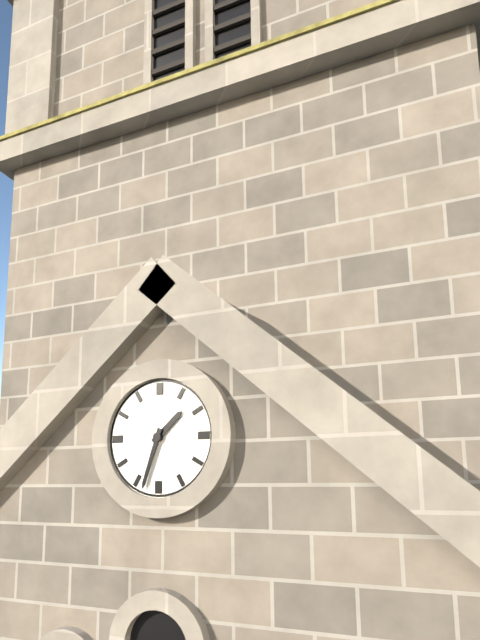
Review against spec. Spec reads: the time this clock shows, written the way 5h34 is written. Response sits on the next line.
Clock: 1h33
